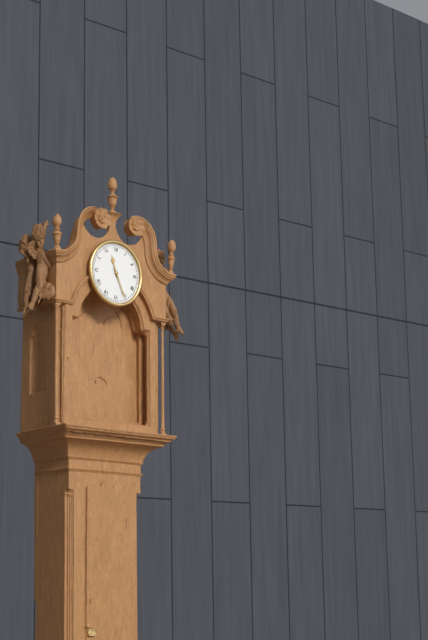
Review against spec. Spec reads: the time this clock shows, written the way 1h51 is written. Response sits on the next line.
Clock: 11h26
